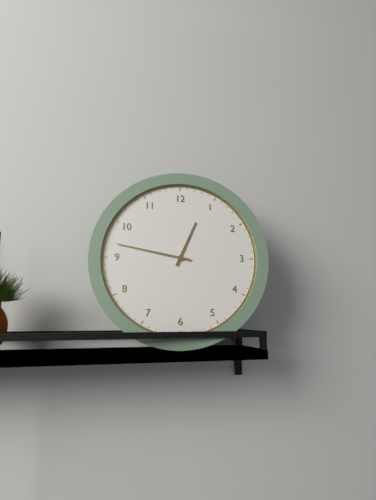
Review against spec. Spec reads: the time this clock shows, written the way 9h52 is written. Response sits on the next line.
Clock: 12h47
